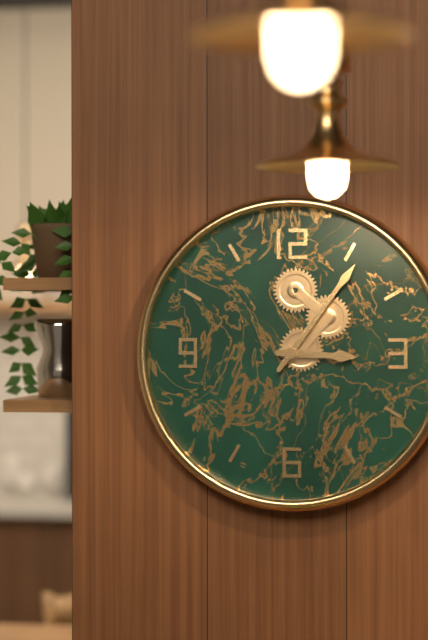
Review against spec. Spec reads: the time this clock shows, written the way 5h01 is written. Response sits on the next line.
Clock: 3h06
